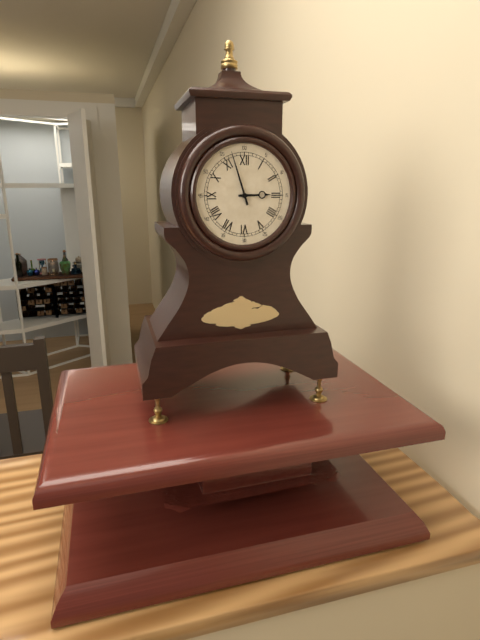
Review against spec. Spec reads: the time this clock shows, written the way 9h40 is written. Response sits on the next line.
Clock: 2h57
